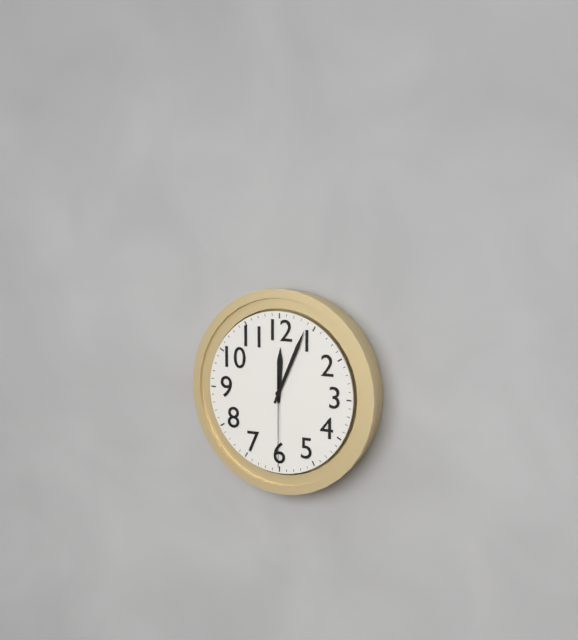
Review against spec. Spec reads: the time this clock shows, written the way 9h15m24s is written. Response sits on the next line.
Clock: 12h04m30s
